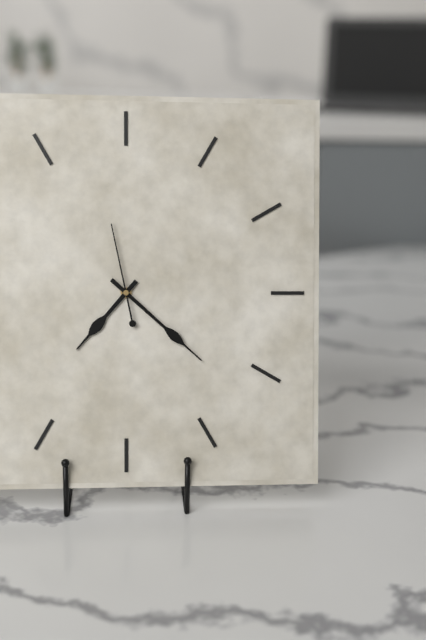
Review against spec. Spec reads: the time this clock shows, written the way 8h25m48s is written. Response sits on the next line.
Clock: 7h22m58s
